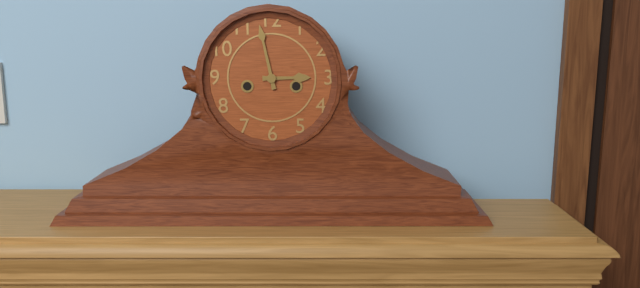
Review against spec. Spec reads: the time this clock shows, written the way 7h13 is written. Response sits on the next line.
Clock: 2h58
